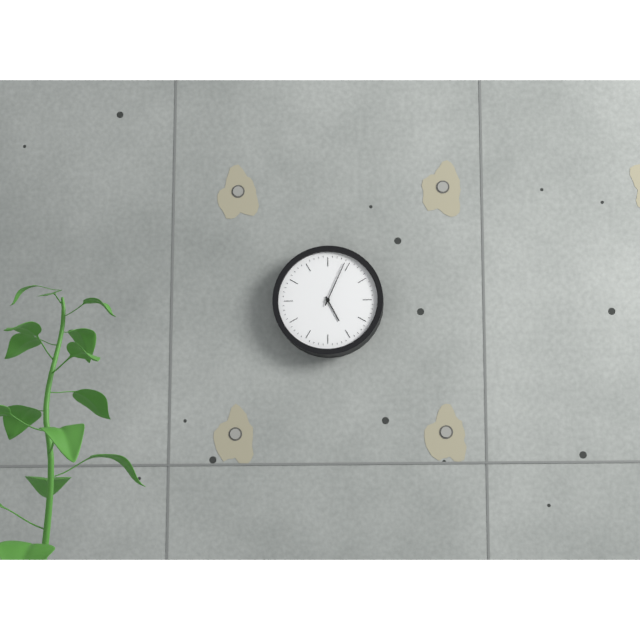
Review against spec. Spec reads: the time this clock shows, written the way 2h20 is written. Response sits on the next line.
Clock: 5h04
